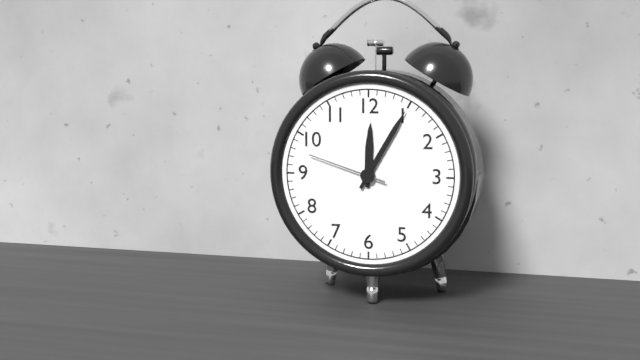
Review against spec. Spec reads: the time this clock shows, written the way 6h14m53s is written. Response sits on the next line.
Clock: 12h05m48s
